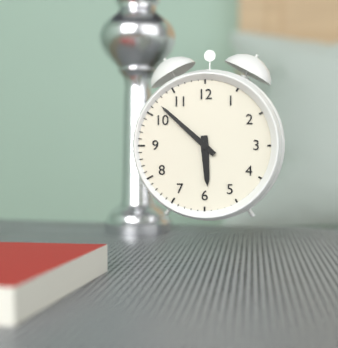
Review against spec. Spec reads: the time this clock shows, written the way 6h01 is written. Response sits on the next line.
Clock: 5h52
